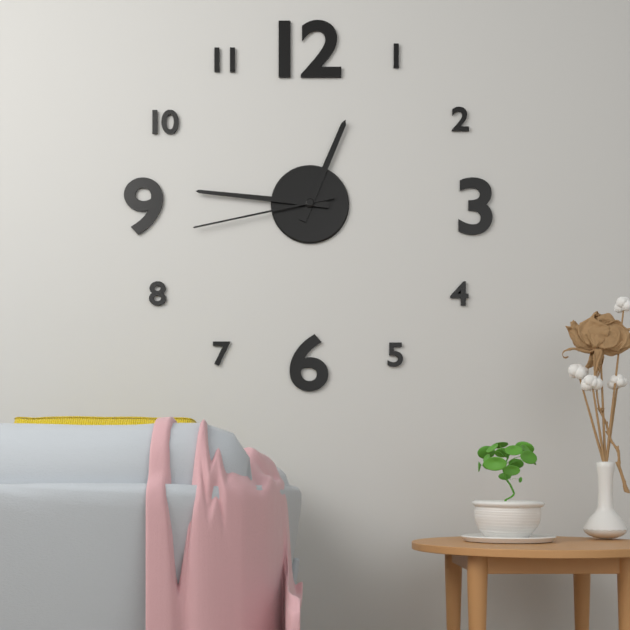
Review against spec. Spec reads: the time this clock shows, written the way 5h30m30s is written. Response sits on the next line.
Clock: 12h46m43s
